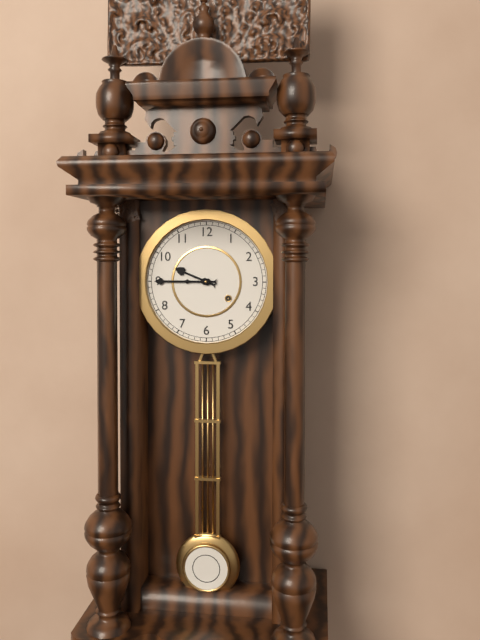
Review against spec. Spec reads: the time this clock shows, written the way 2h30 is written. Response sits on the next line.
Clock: 9h45
